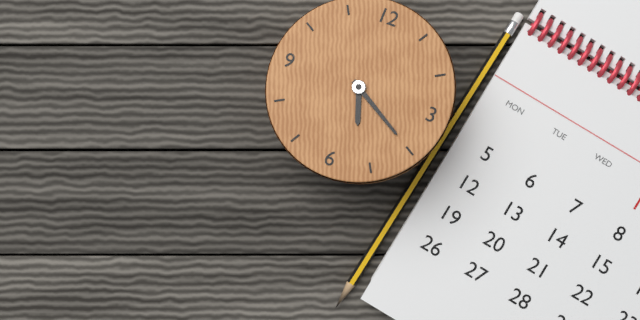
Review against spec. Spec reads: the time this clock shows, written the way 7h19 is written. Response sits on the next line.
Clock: 5h20
